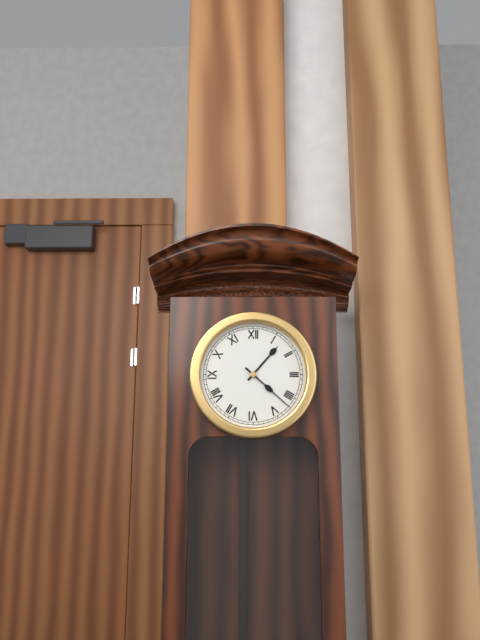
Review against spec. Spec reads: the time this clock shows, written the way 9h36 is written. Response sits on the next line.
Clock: 1h22
